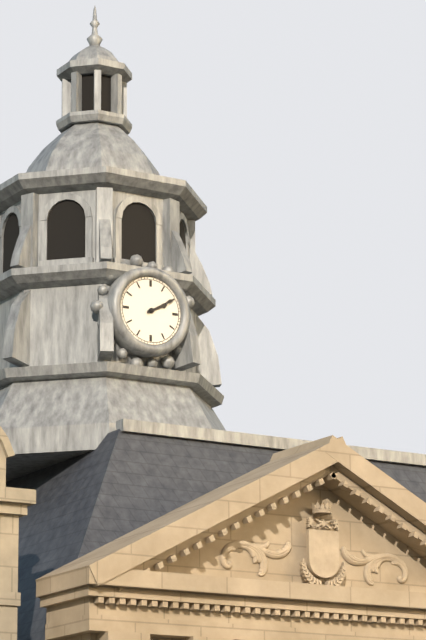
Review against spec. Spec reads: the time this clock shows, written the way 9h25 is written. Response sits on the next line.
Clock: 2h10
